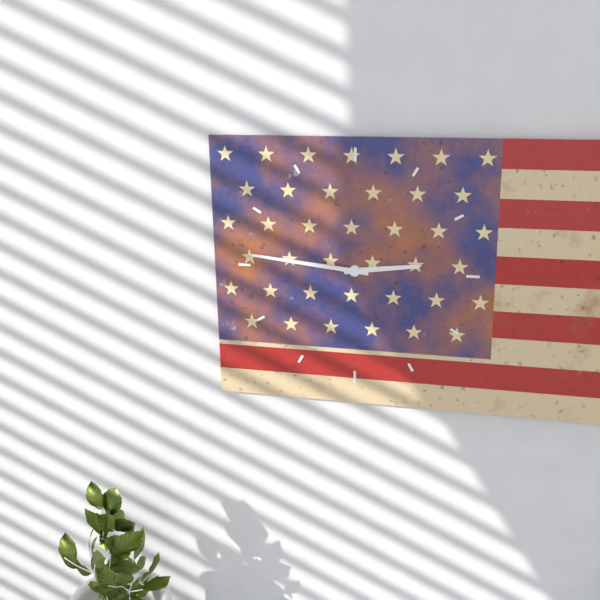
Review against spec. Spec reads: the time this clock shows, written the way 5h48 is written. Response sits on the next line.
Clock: 2h46
